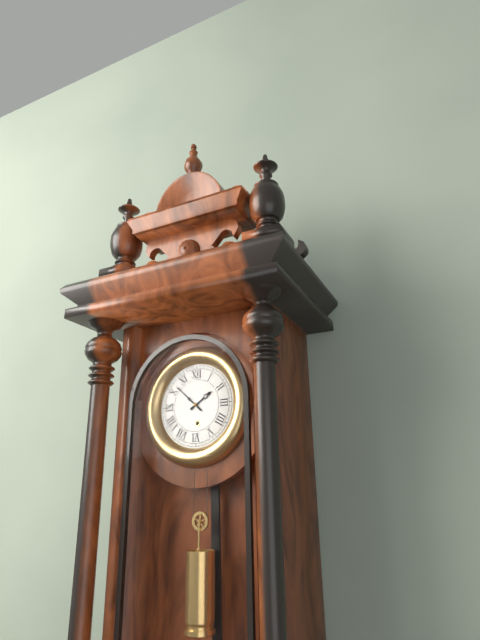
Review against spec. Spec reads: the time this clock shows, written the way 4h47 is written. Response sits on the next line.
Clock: 1h52
